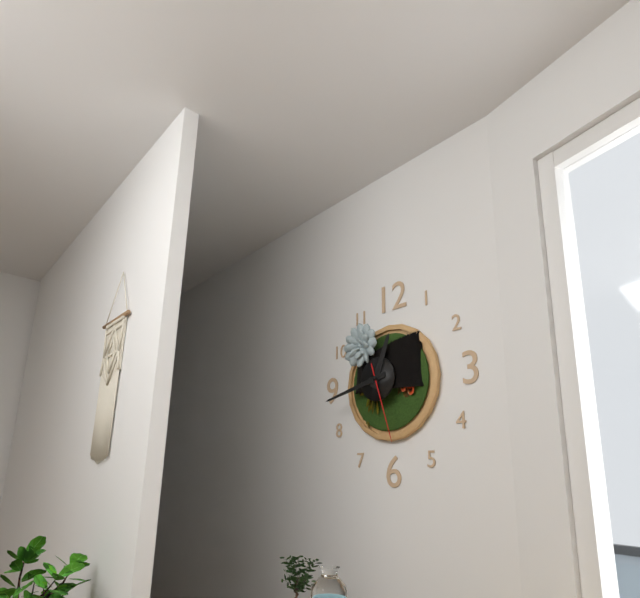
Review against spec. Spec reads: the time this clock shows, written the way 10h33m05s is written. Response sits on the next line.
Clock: 12h43m27s
